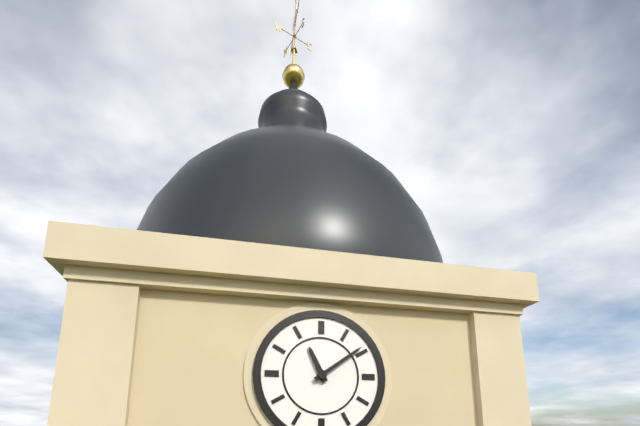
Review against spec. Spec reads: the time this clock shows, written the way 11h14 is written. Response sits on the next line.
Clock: 11h09
